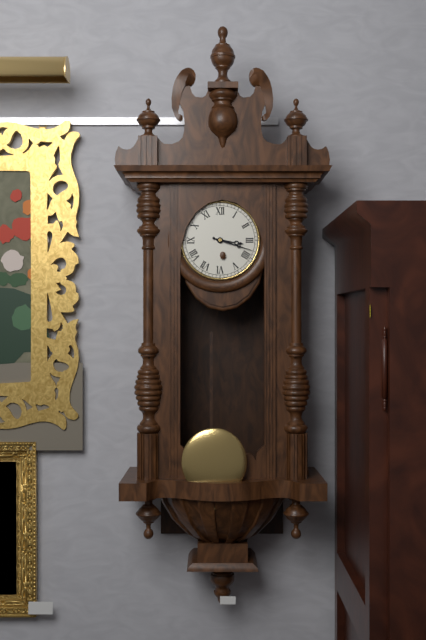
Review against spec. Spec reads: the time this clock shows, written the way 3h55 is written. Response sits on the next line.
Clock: 3h18
